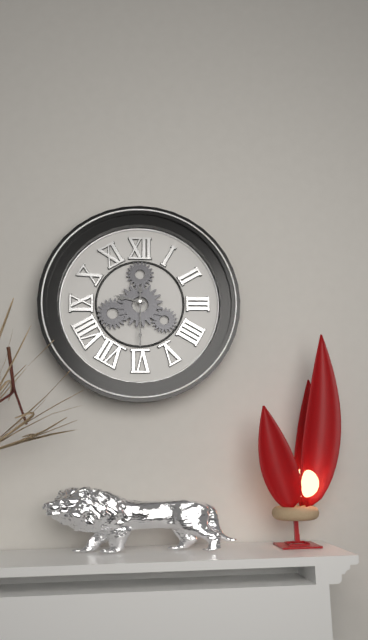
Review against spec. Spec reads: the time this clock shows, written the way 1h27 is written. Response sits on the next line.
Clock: 9h30
